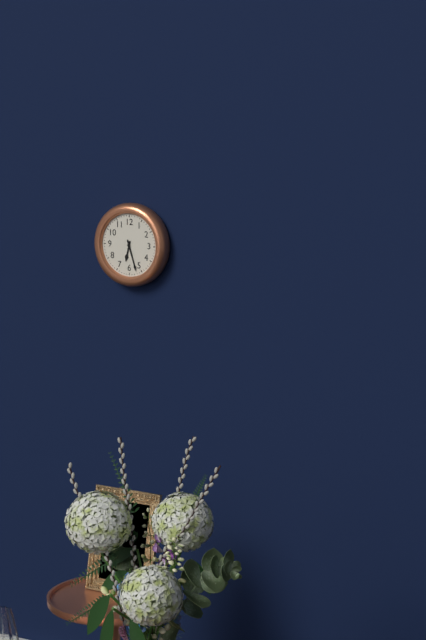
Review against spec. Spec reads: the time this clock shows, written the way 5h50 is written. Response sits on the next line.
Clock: 6h27
